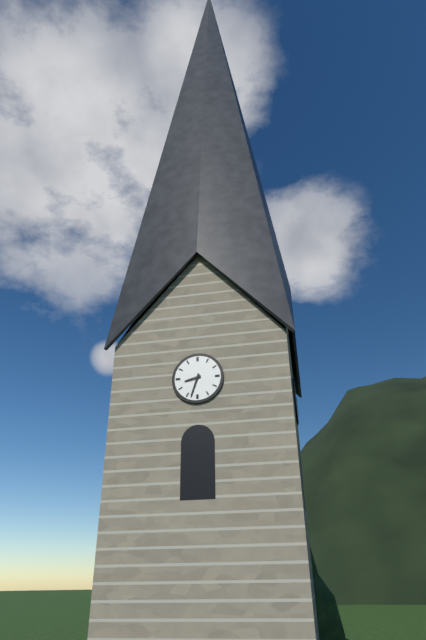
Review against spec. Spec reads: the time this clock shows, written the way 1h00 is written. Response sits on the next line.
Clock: 8h33
